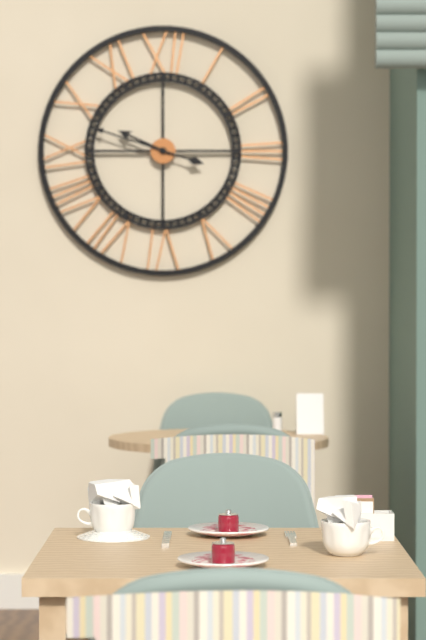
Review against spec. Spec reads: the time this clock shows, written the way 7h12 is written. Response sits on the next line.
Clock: 9h48
